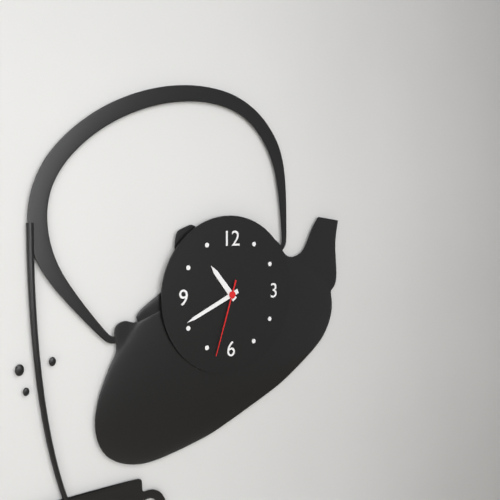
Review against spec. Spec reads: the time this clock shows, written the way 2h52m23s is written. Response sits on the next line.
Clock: 10h41m33s
